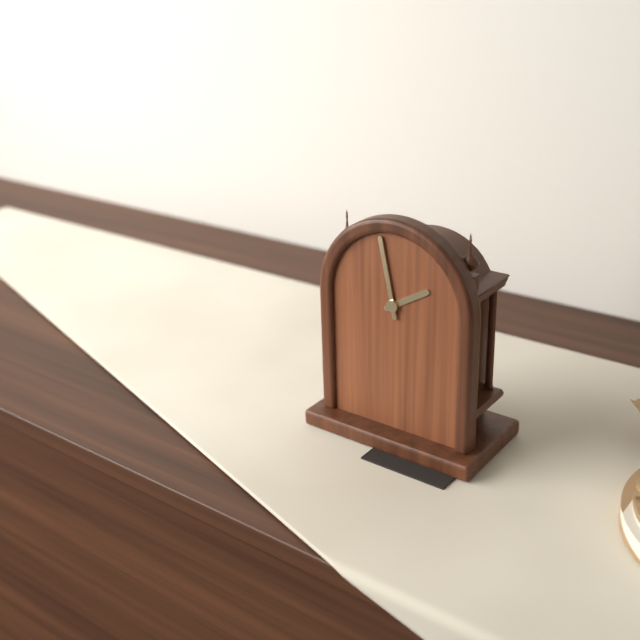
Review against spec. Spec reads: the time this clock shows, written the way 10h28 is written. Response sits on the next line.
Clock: 1h58
